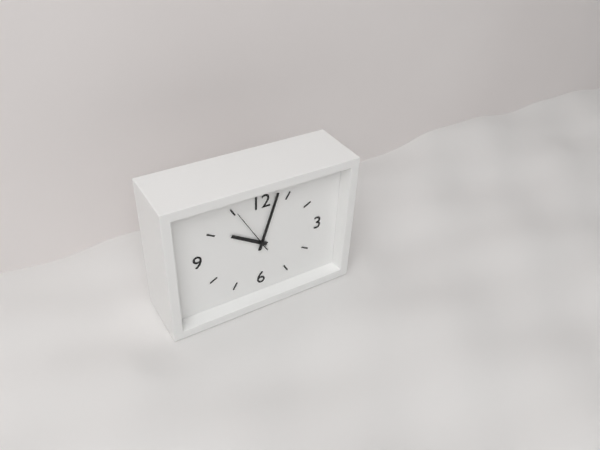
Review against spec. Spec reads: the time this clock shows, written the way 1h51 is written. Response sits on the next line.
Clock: 10h03
